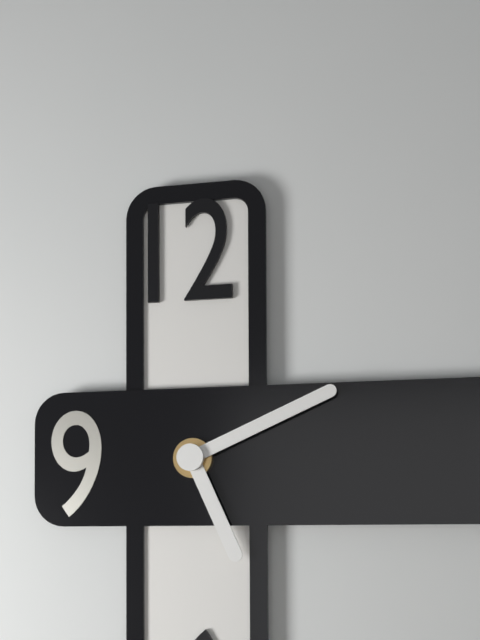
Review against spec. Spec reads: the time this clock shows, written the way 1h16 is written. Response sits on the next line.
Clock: 5h11
